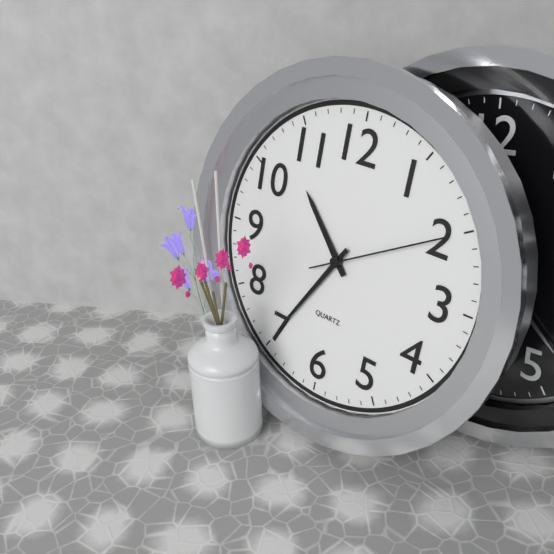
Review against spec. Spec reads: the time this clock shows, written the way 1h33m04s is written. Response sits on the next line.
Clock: 10h35m10s
